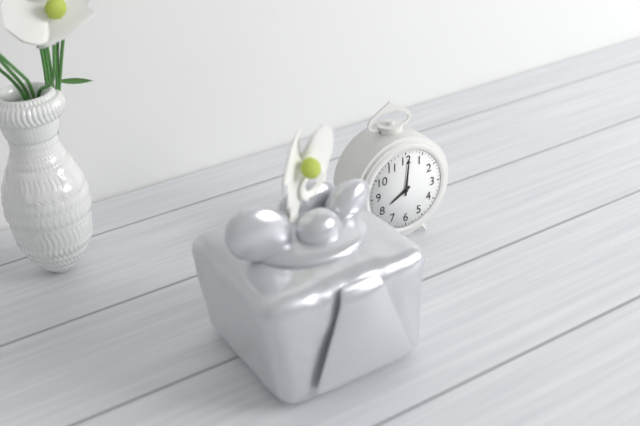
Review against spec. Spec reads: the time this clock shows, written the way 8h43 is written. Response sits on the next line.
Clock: 8h01
